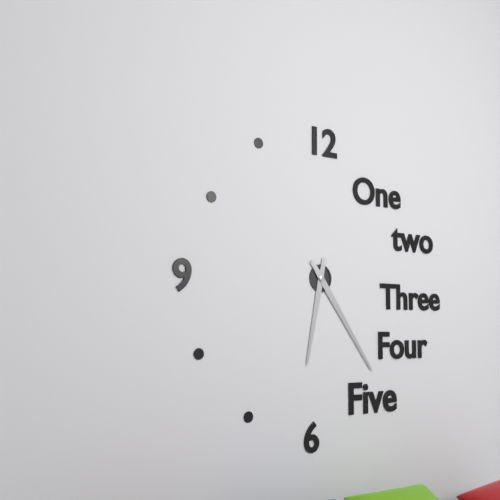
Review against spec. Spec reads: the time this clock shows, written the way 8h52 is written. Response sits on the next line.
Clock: 6h24
